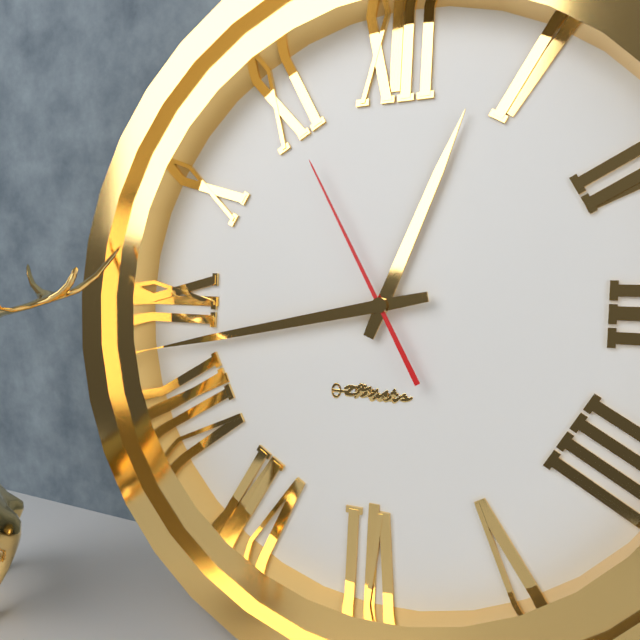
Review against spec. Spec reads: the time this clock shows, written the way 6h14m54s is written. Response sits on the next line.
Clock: 12h43m55s
